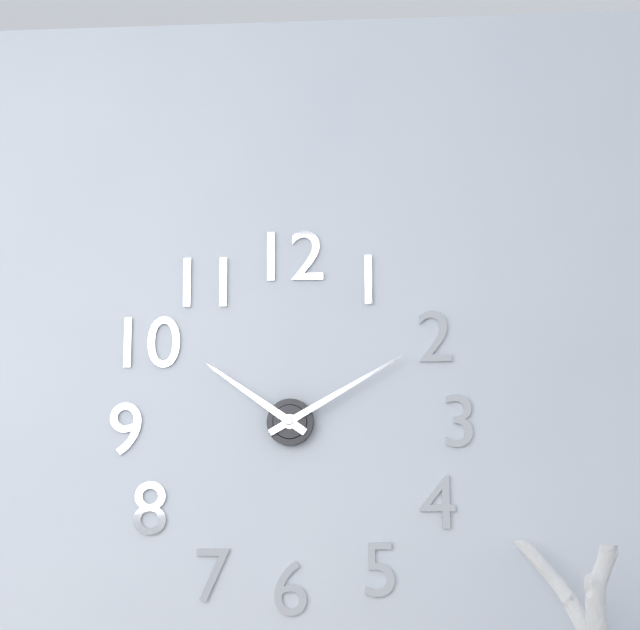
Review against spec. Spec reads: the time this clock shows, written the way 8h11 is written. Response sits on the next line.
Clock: 10h10
